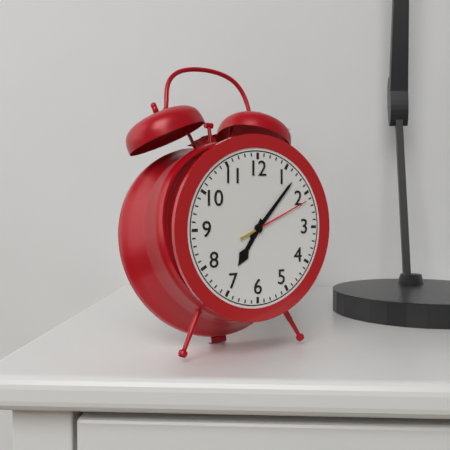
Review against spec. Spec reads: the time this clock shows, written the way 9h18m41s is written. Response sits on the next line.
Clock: 7h07m11s
